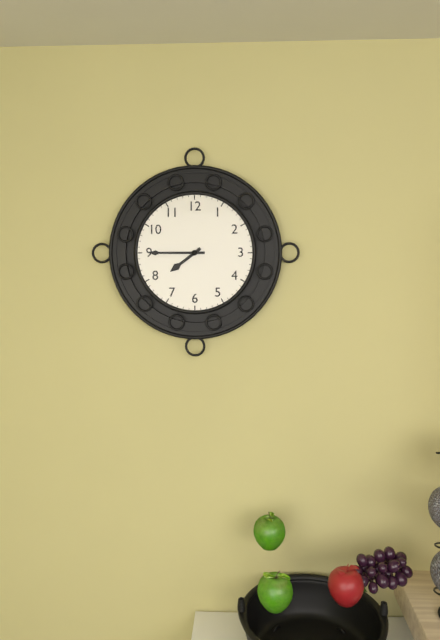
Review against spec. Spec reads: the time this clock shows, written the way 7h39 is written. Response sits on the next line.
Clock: 7h45
